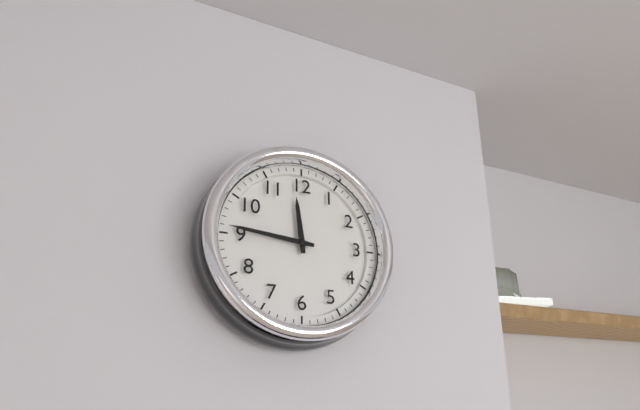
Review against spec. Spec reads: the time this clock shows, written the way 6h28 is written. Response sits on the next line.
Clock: 11h46
